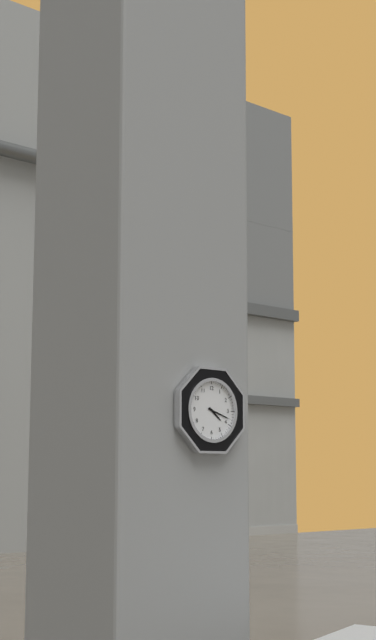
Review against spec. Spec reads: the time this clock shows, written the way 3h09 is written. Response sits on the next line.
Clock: 4h18
